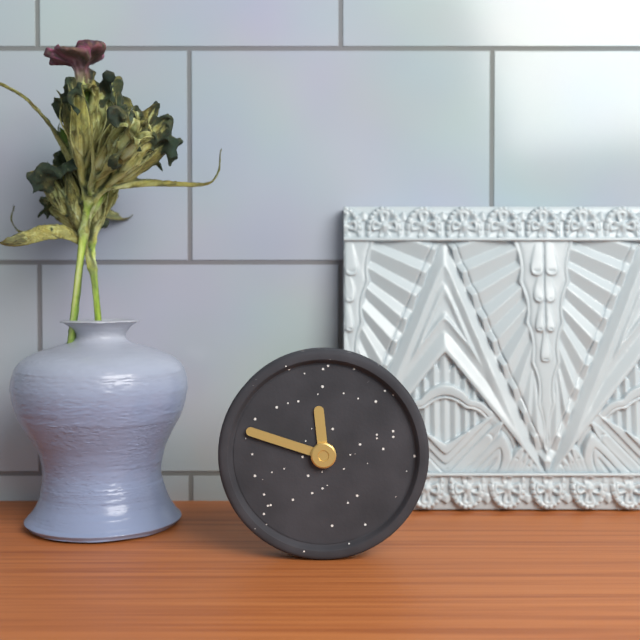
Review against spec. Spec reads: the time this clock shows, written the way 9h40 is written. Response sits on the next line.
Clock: 11h48
